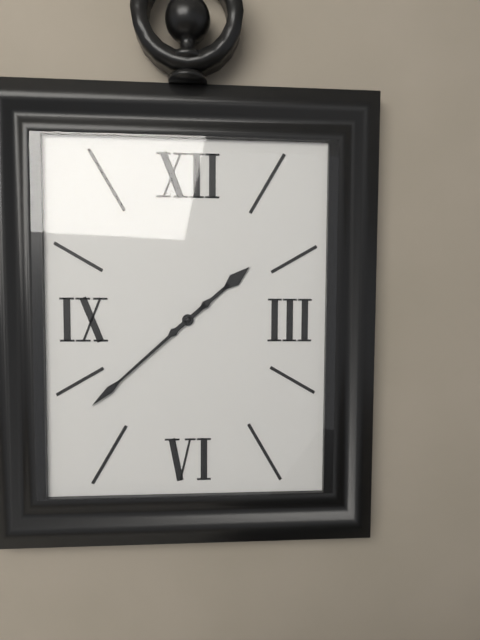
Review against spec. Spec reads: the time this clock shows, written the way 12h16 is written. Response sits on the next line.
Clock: 1h38
